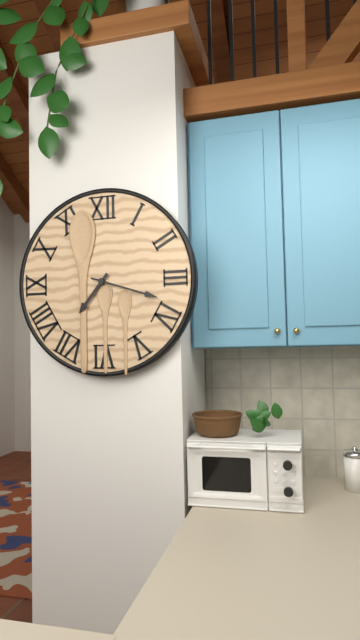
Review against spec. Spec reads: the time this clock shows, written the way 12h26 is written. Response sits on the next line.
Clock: 7h18
